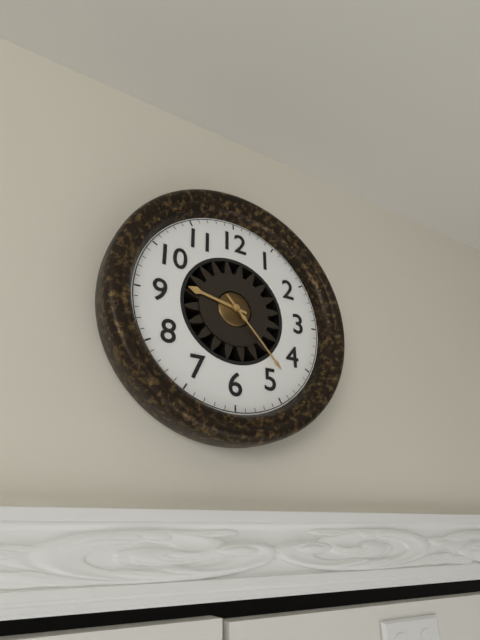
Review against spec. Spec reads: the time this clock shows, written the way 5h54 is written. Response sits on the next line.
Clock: 9h23
